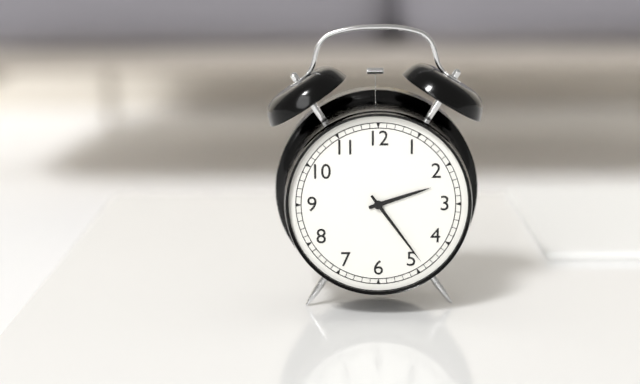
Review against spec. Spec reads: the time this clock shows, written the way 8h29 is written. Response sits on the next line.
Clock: 2h24
